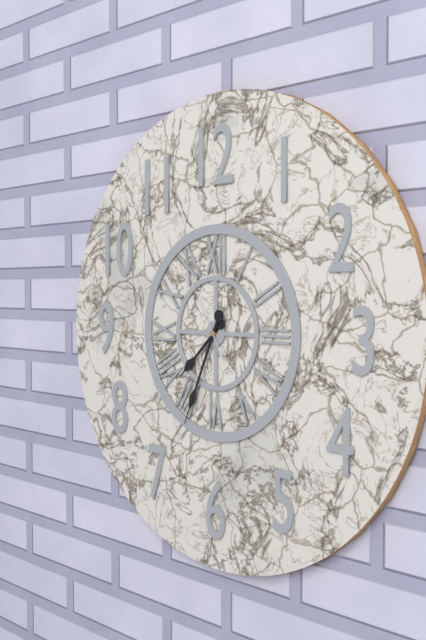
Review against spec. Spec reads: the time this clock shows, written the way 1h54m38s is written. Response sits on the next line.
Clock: 7h34m55s
